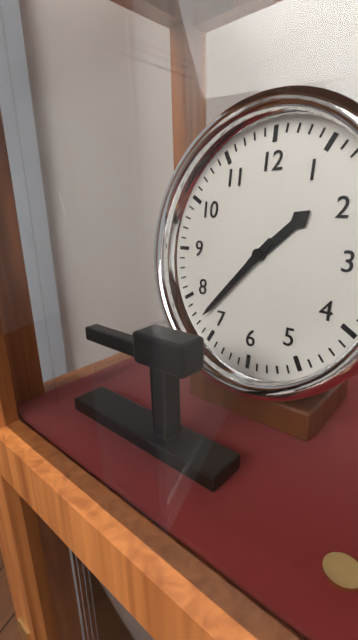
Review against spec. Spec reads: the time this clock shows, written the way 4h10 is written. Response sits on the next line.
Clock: 1h37
